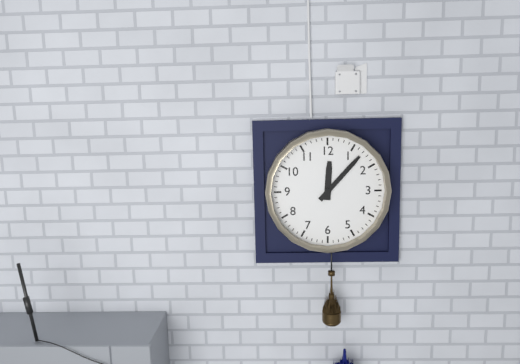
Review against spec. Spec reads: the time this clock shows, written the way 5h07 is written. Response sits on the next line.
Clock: 12h07
